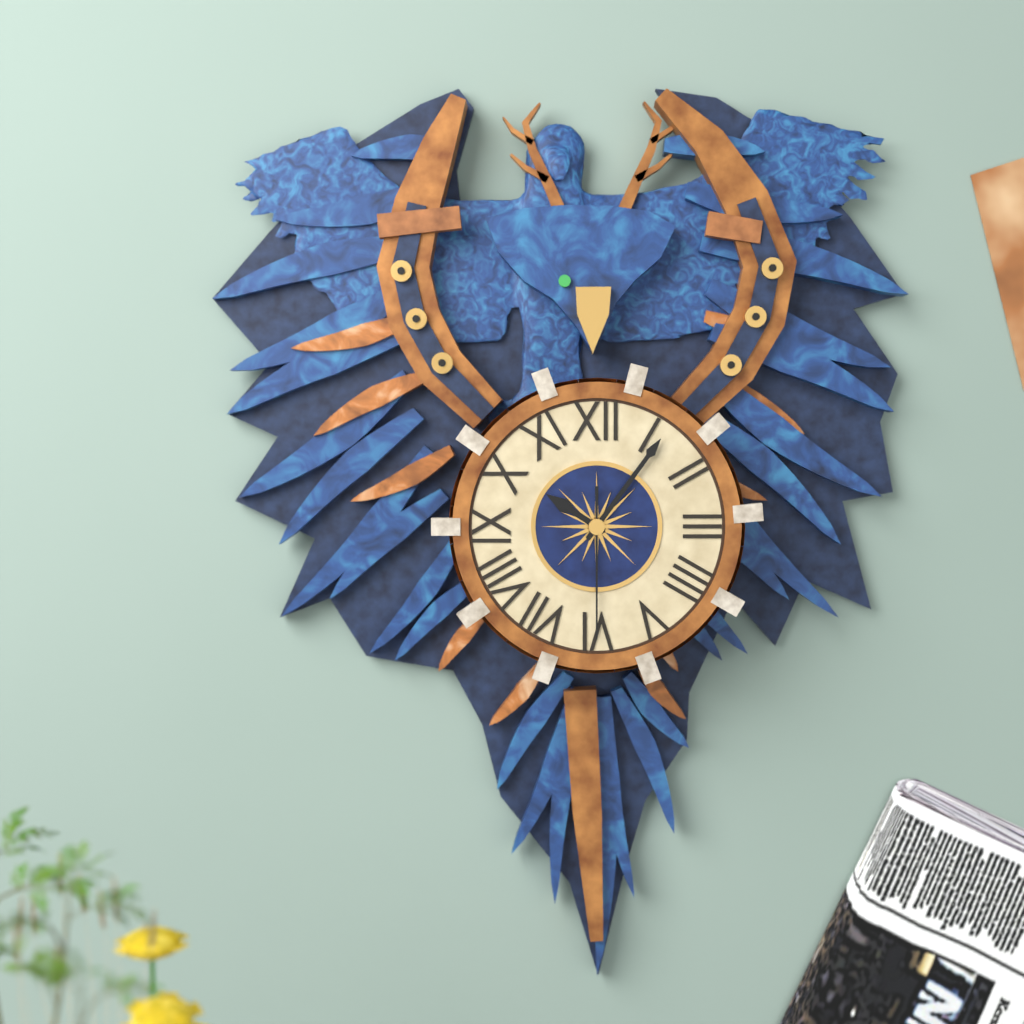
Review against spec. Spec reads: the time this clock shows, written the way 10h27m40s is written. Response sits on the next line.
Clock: 10h06m30s
